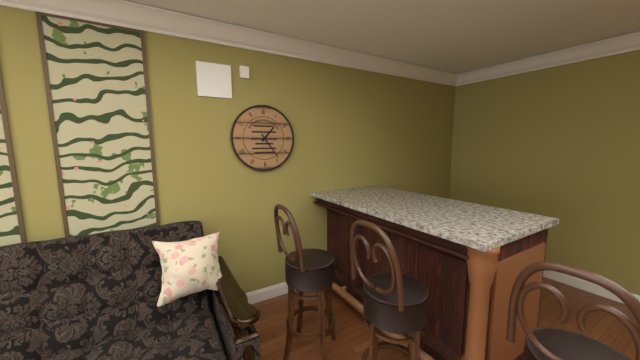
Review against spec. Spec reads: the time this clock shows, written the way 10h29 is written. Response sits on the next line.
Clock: 1h24
